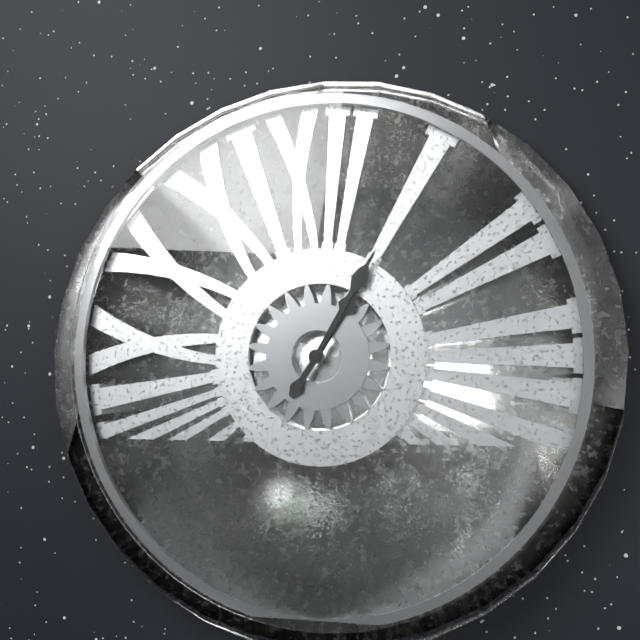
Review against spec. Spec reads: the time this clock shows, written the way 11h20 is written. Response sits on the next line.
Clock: 1h05
